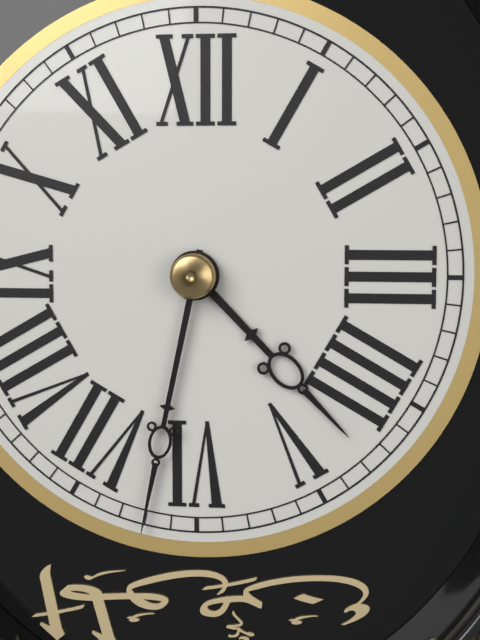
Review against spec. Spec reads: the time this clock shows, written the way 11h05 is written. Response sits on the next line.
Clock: 4h32
